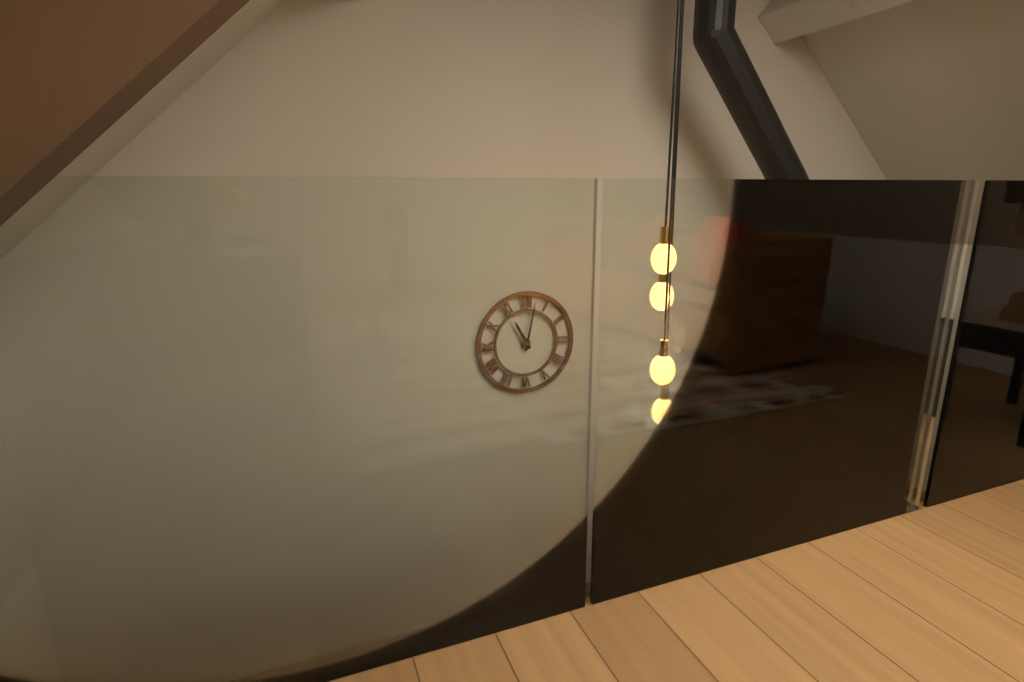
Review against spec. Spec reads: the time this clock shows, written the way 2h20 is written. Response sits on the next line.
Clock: 11h02
